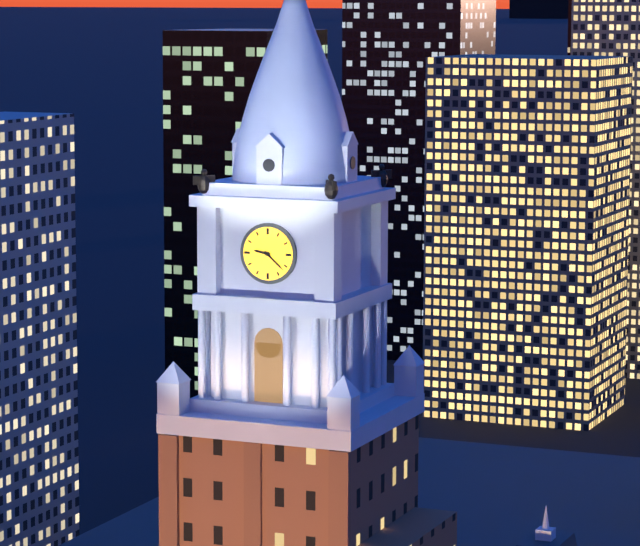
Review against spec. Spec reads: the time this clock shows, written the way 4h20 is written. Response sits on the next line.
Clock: 9h22
